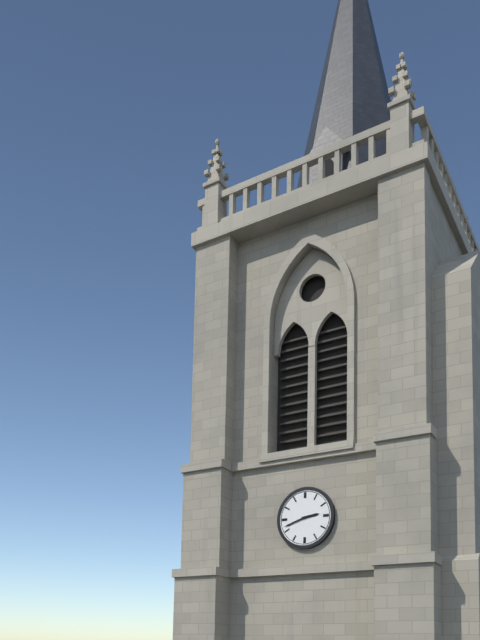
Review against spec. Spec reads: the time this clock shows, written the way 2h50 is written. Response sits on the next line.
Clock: 2h42
